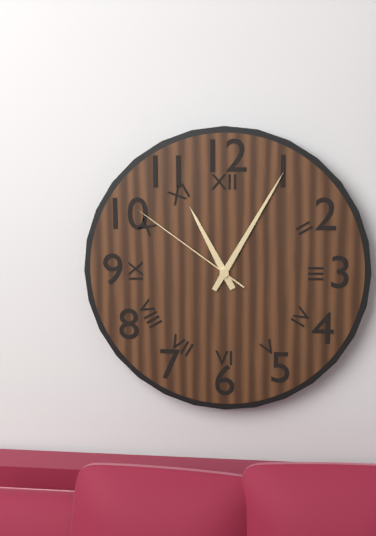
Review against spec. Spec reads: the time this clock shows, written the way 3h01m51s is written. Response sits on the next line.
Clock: 11h05m51s
